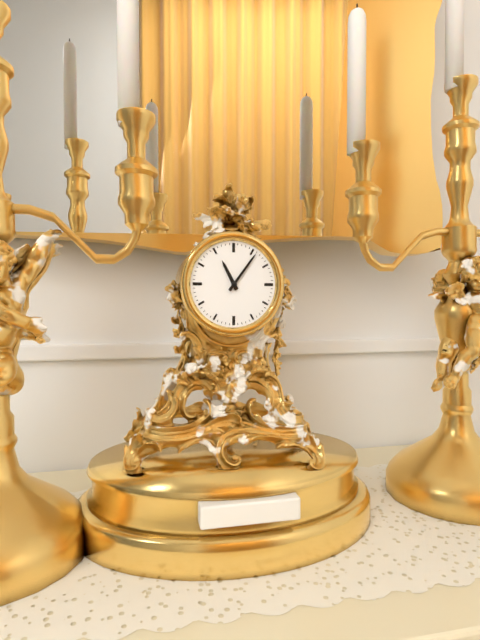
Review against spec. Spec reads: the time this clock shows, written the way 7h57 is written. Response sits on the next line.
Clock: 11h06
